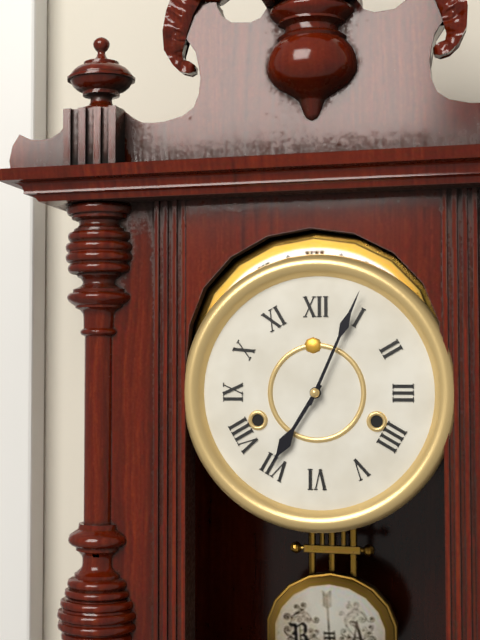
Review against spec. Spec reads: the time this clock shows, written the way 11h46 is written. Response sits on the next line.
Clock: 7h04
